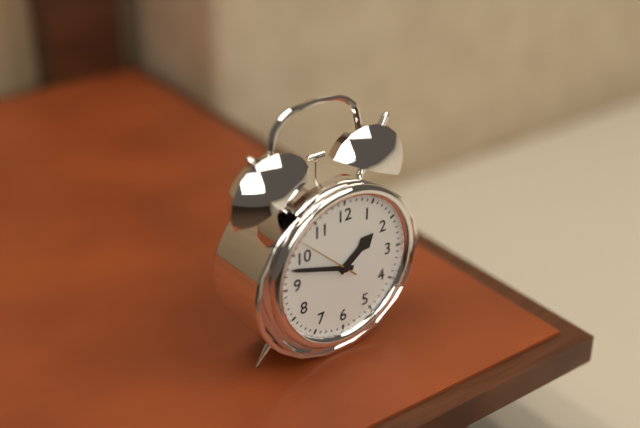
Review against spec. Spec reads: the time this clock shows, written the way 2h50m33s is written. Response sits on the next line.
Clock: 1h48m52s
